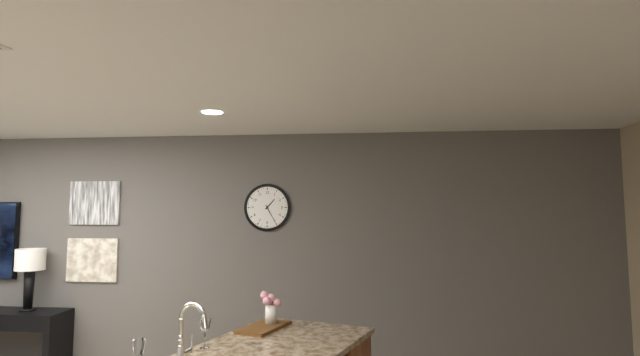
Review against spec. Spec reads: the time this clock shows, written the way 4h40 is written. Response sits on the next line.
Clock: 1h25
